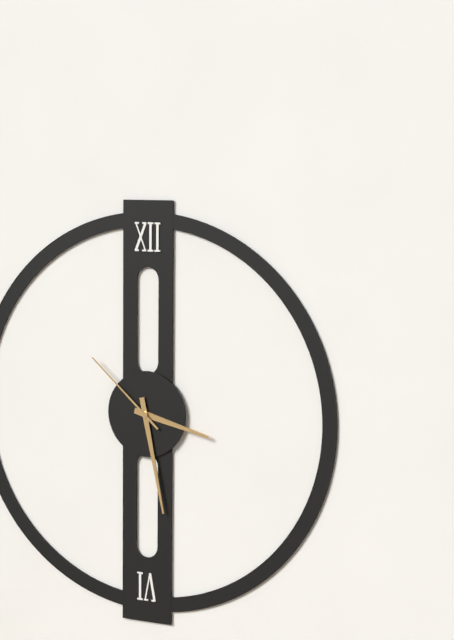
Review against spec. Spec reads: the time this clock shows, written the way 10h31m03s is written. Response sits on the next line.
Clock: 3h28m52s
